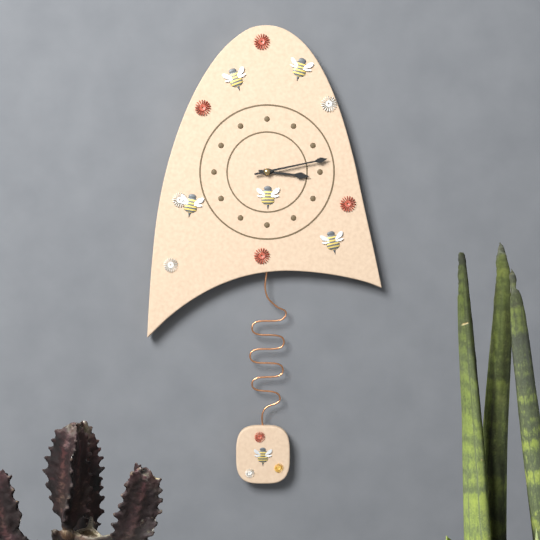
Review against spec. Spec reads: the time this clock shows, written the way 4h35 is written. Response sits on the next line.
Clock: 3h13
